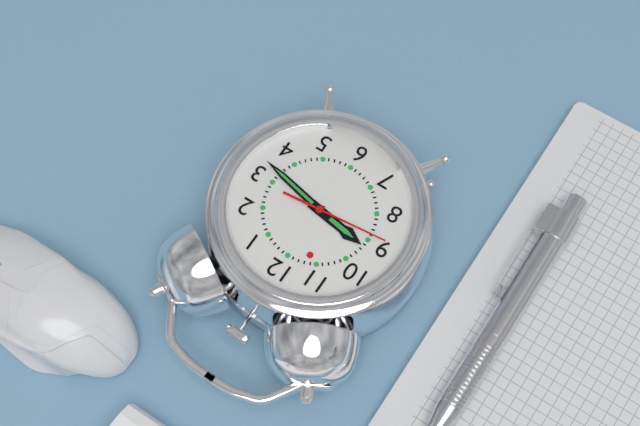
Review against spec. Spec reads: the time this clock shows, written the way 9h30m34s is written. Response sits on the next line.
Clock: 9h17m44s
